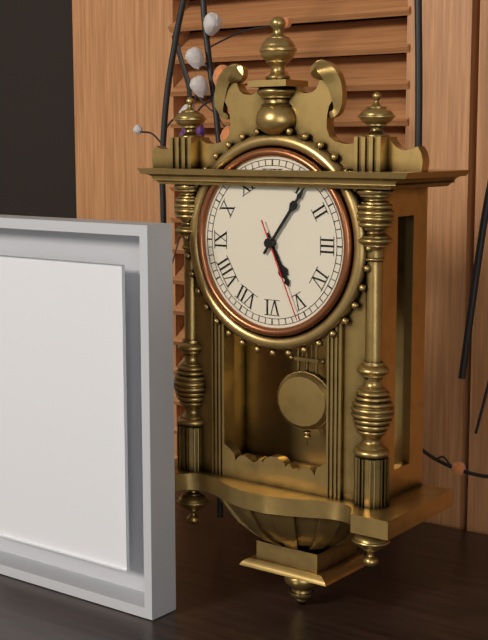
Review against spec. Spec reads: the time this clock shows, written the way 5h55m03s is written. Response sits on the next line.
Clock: 5h06m26s
